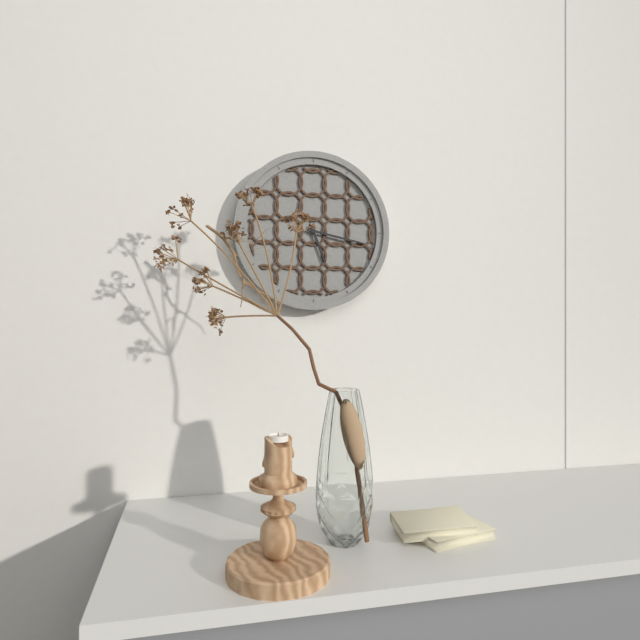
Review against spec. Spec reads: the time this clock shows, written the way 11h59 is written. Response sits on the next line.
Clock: 5h17
